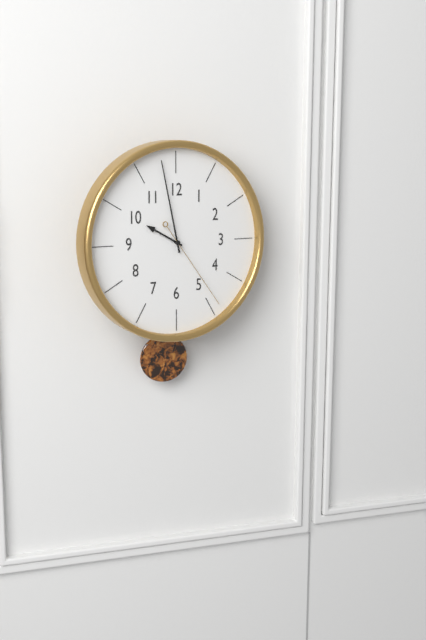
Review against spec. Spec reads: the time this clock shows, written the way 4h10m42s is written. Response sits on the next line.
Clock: 9h58m24s
